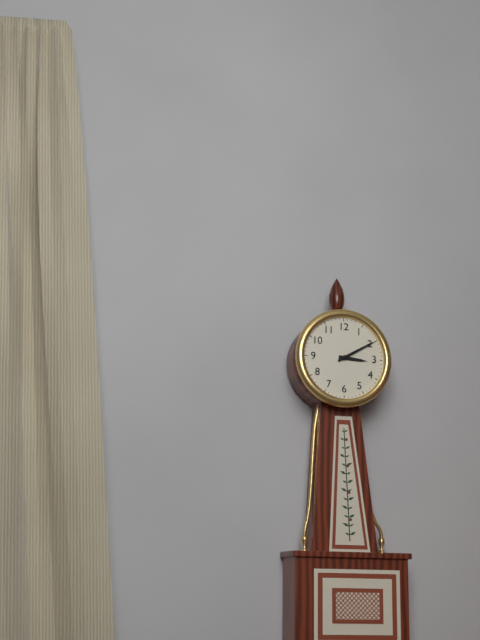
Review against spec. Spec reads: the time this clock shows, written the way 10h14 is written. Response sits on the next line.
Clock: 3h10
